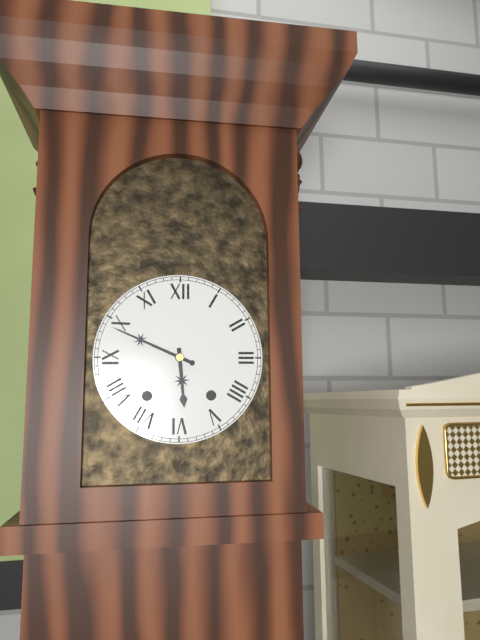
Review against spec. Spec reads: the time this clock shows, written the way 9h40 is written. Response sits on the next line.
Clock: 5h49
